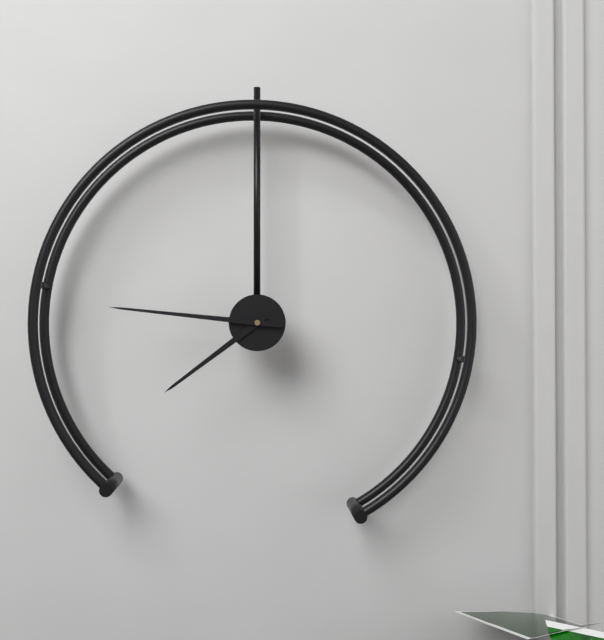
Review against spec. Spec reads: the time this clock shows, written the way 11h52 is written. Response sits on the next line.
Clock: 7h46
